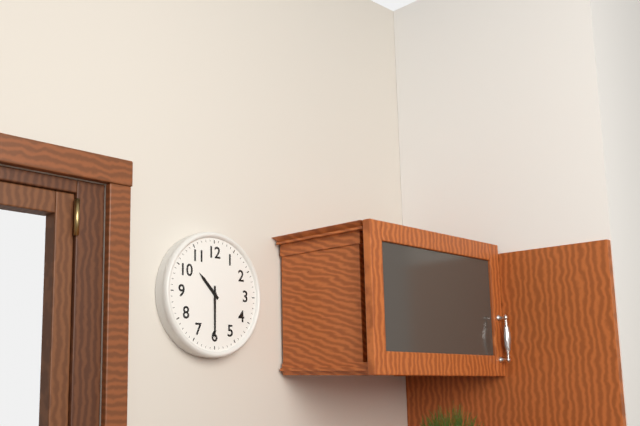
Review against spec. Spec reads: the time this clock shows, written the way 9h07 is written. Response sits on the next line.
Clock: 10h30
